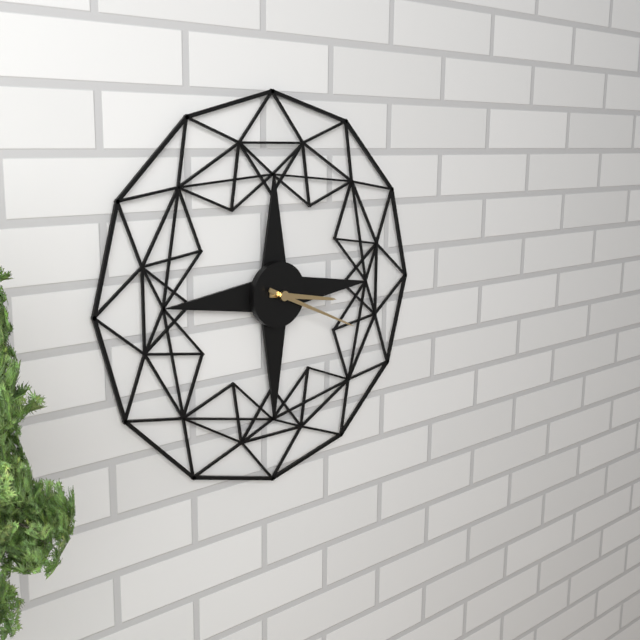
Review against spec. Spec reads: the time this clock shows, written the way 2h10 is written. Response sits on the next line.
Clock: 3h19
